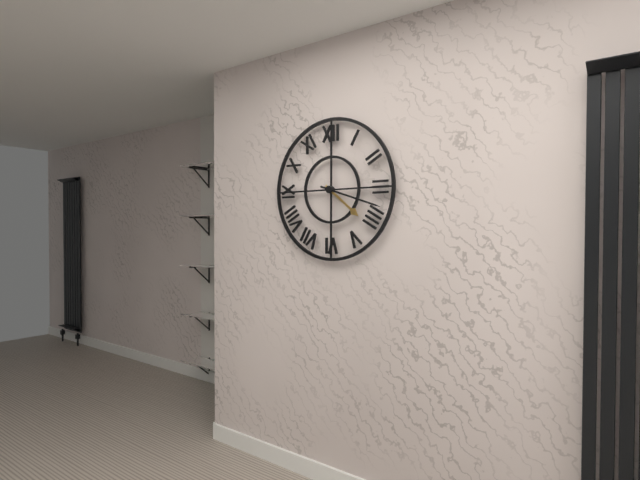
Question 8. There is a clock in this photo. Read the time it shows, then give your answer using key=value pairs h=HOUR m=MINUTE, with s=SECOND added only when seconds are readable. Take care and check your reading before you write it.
h=4 m=18
